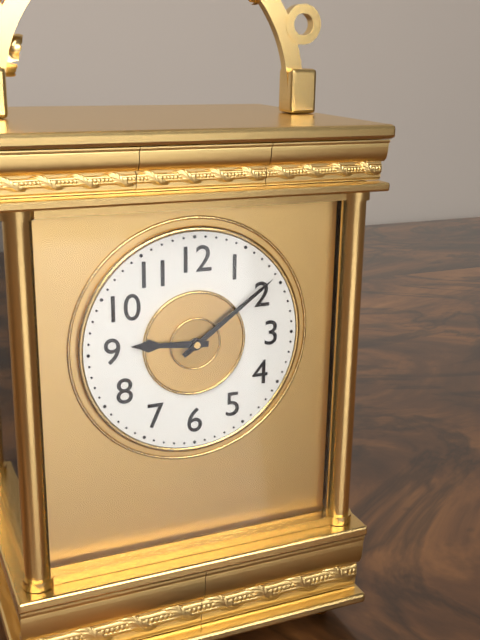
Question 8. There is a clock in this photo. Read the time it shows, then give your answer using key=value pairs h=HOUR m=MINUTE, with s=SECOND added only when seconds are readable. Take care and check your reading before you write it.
h=9 m=9
